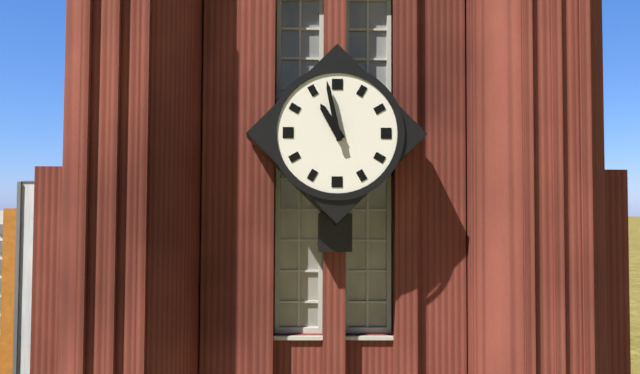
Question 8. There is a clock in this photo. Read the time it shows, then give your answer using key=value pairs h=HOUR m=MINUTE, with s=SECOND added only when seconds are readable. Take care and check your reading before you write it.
h=10 m=58
